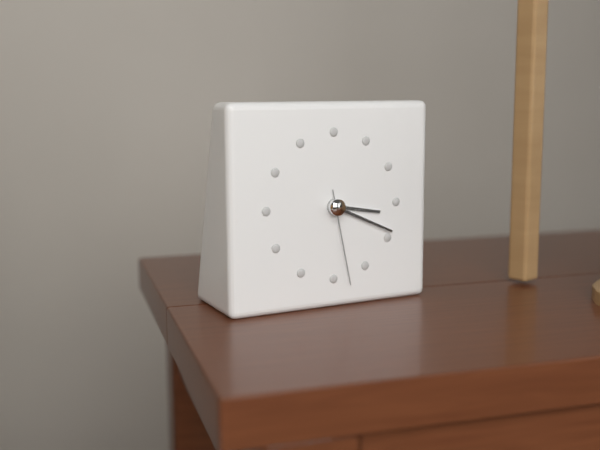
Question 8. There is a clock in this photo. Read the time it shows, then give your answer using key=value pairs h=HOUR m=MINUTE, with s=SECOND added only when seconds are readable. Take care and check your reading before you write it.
h=3 m=19 s=28
